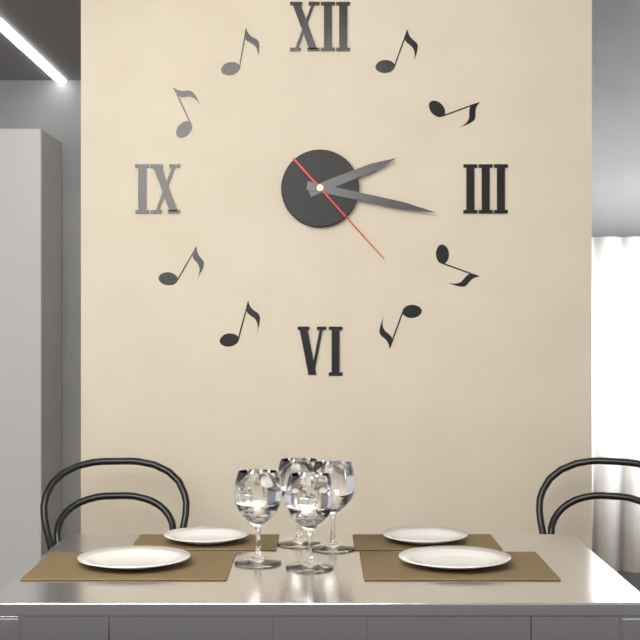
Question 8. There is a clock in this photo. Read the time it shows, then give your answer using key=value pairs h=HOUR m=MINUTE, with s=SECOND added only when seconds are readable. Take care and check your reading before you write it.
h=2 m=17 s=23
